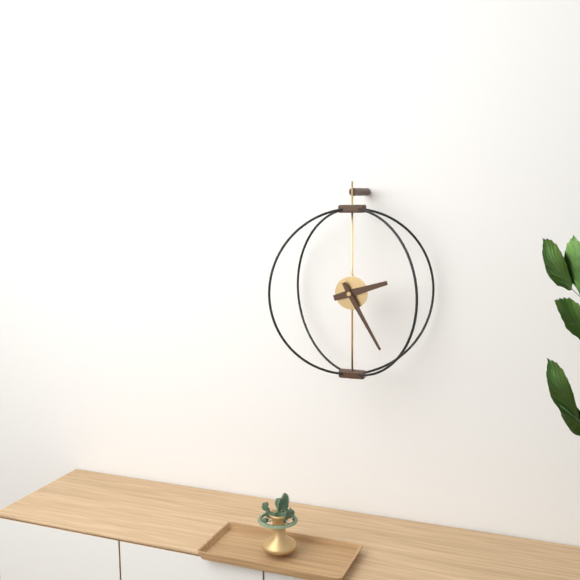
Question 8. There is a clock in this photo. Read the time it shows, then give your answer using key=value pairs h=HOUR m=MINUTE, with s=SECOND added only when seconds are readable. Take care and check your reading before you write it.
h=2 m=25
